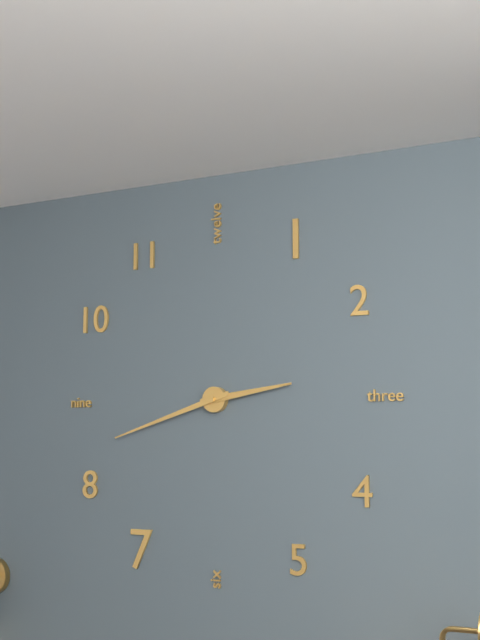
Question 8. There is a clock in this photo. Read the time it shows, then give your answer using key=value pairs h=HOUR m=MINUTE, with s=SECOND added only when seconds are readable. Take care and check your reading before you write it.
h=2 m=42
